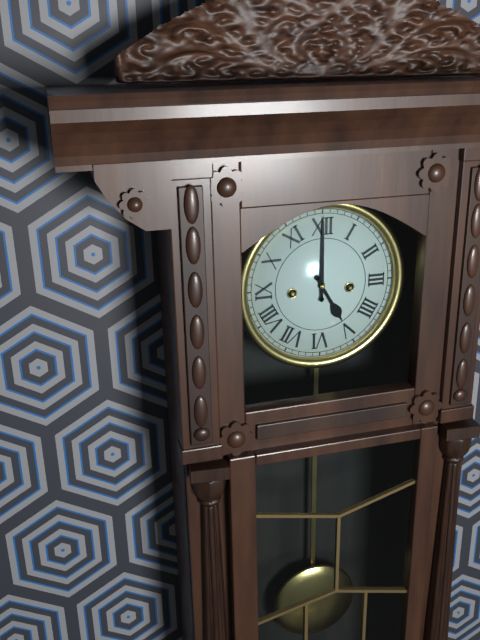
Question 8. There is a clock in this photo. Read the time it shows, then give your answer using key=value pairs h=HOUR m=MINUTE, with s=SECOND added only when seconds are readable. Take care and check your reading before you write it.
h=5 m=0
